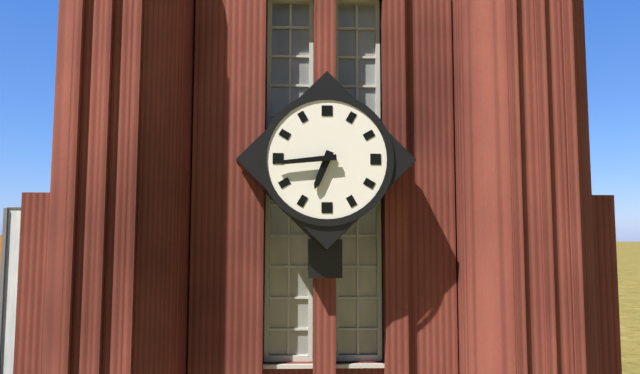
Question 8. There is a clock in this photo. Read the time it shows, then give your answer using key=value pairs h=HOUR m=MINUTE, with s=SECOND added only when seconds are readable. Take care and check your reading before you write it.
h=6 m=44
